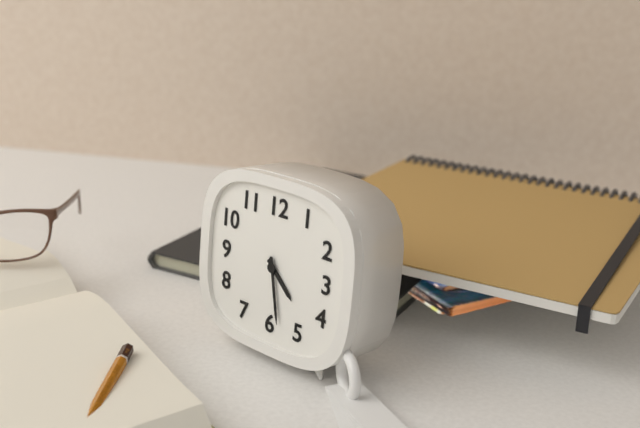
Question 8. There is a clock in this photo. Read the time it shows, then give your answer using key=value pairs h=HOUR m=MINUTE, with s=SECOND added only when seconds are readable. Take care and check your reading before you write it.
h=4 m=28
